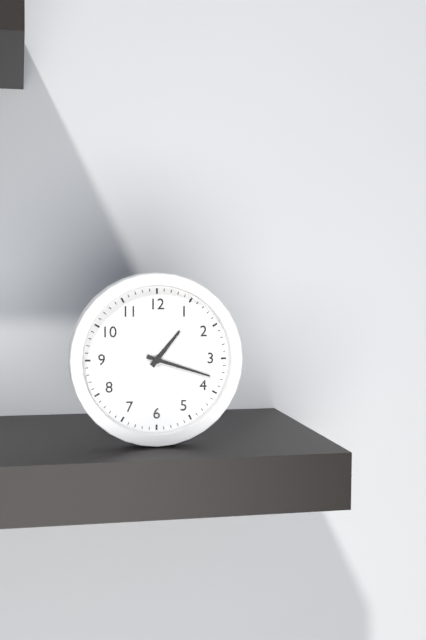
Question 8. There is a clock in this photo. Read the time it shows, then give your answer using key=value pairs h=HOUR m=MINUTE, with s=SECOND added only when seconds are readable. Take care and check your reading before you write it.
h=1 m=18
